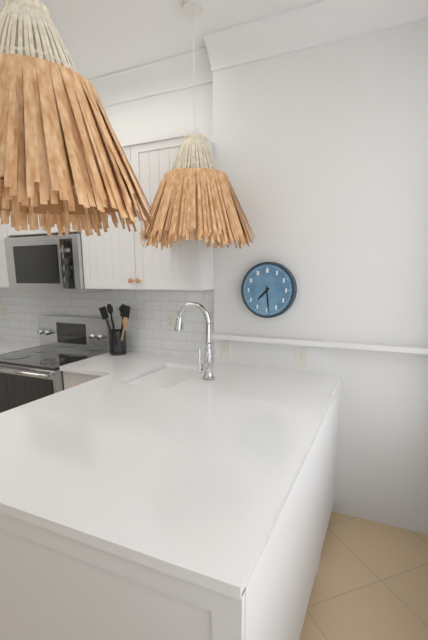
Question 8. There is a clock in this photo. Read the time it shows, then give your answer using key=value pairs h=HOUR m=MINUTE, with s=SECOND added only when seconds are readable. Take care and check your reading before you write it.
h=7 m=29
